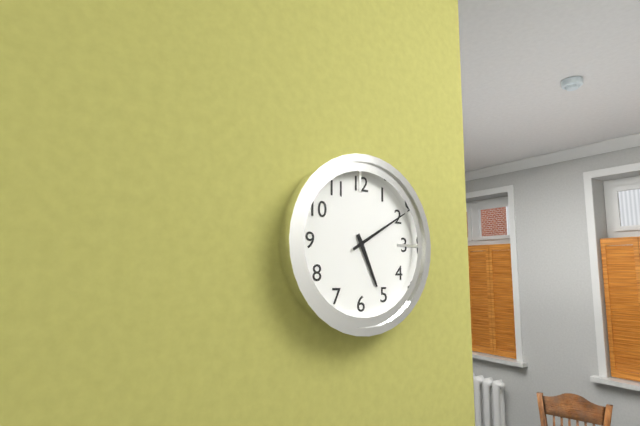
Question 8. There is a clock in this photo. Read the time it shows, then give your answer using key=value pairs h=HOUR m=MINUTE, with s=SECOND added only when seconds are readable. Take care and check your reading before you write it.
h=5 m=10
